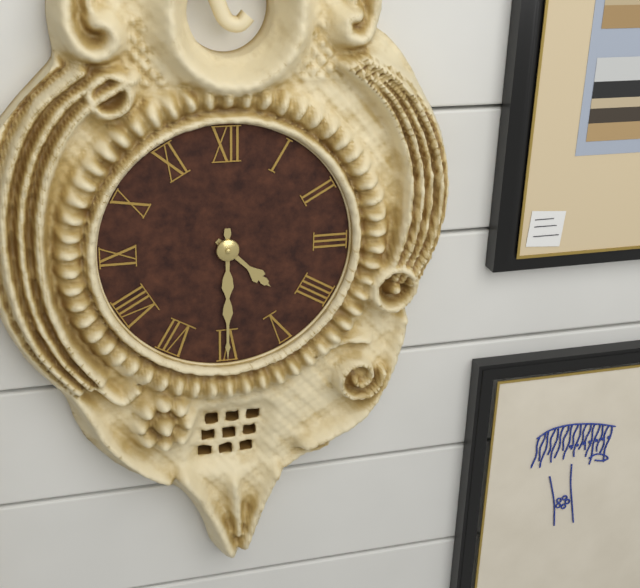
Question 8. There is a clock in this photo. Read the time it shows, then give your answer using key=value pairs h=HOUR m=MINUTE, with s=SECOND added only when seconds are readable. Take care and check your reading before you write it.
h=4 m=30
